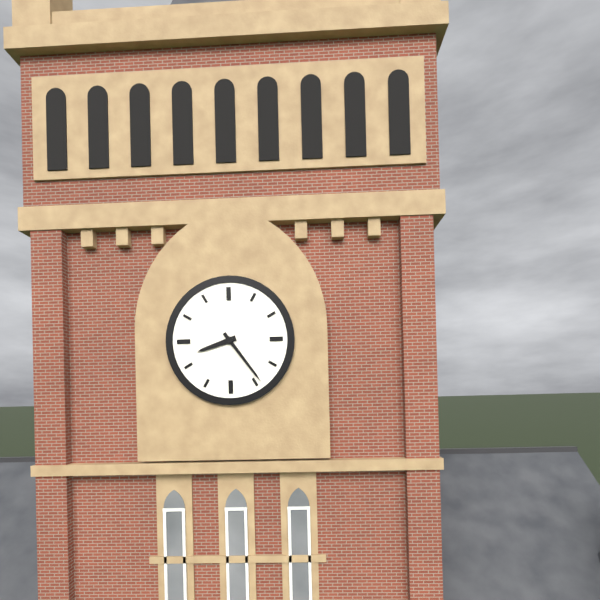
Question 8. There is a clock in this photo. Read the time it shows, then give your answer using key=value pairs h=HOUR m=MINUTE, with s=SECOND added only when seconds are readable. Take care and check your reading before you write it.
h=8 m=24
